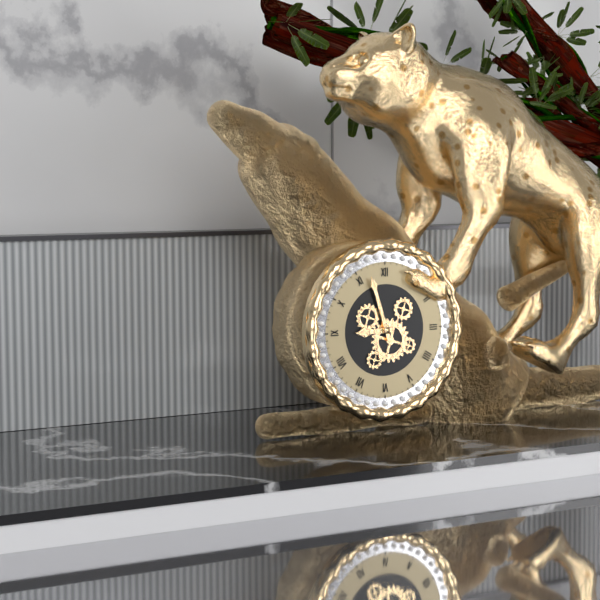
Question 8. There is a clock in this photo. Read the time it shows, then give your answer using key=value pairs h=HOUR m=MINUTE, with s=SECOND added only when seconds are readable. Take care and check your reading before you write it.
h=8 m=57
